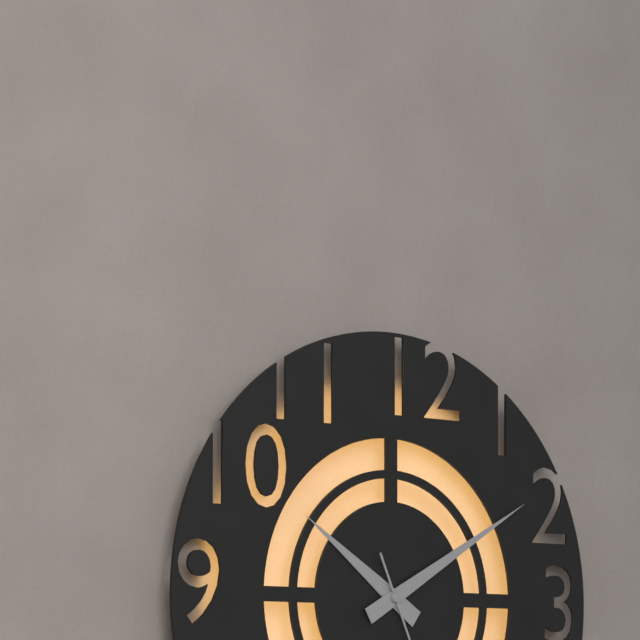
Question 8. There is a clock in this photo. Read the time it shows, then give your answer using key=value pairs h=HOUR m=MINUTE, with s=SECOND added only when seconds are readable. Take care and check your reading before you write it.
h=10 m=10
